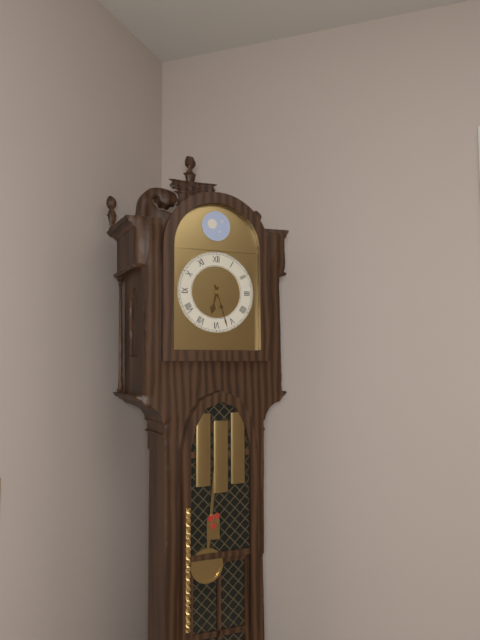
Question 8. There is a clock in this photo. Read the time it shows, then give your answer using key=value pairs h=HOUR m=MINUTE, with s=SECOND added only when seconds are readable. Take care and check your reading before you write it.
h=6 m=27
